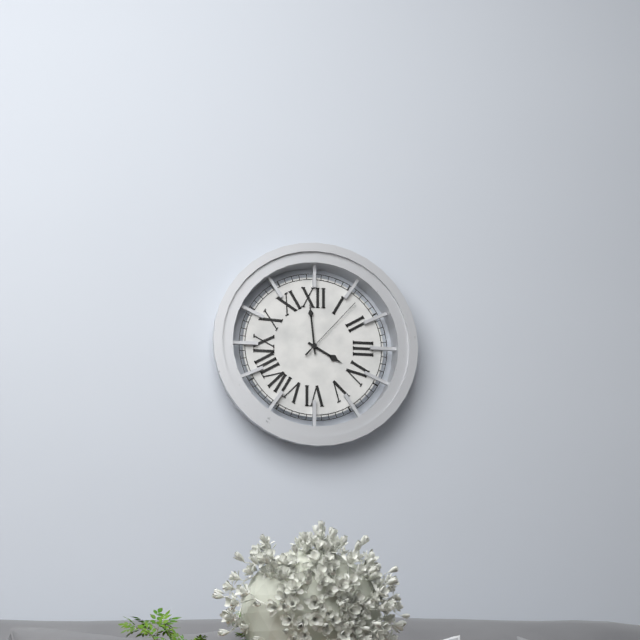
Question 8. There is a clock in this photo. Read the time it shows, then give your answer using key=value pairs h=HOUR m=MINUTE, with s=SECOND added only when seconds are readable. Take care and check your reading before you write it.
h=3 m=59 s=7
